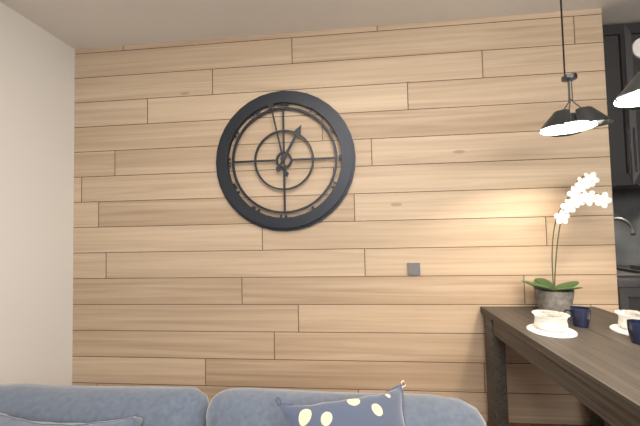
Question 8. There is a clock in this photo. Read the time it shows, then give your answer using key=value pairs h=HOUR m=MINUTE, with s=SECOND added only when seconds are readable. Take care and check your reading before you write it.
h=12 m=58
